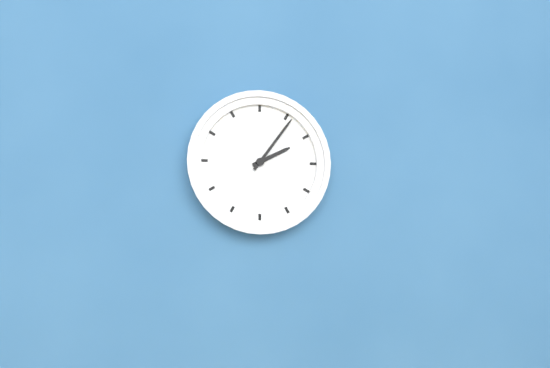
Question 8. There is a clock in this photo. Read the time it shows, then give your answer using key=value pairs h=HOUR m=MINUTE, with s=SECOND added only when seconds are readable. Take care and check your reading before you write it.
h=2 m=6
